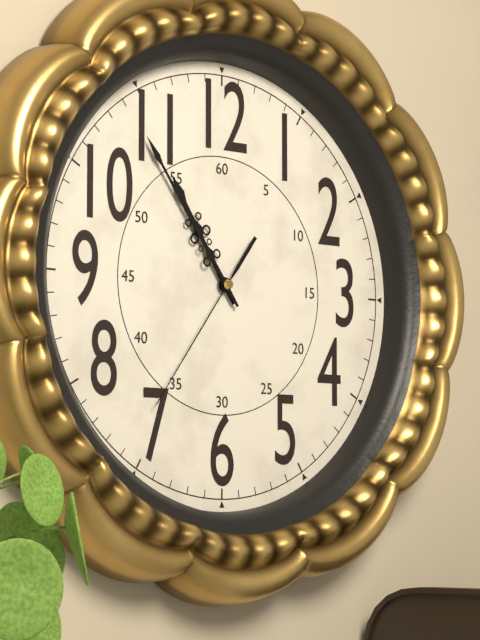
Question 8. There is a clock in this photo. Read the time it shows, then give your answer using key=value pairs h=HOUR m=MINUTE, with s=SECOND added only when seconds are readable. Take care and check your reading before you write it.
h=10 m=54 s=36
